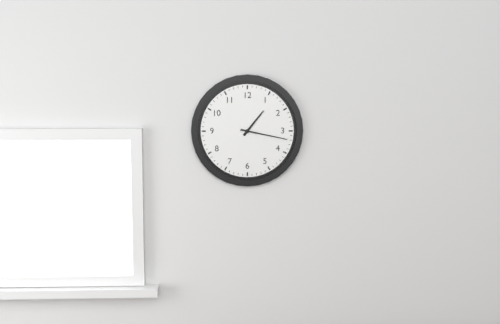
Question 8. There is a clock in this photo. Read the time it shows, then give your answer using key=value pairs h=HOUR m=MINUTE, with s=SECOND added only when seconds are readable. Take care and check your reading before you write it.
h=1 m=17
